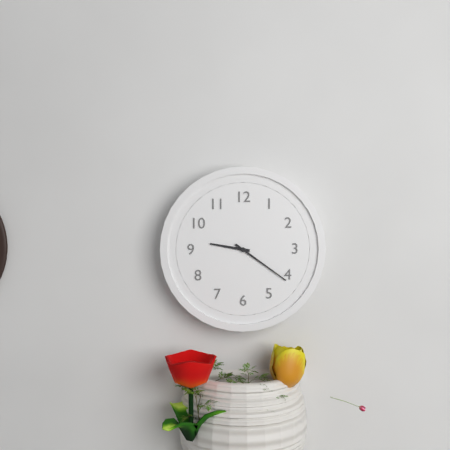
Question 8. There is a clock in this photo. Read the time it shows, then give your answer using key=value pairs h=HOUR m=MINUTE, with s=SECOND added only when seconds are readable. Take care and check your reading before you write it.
h=9 m=21
